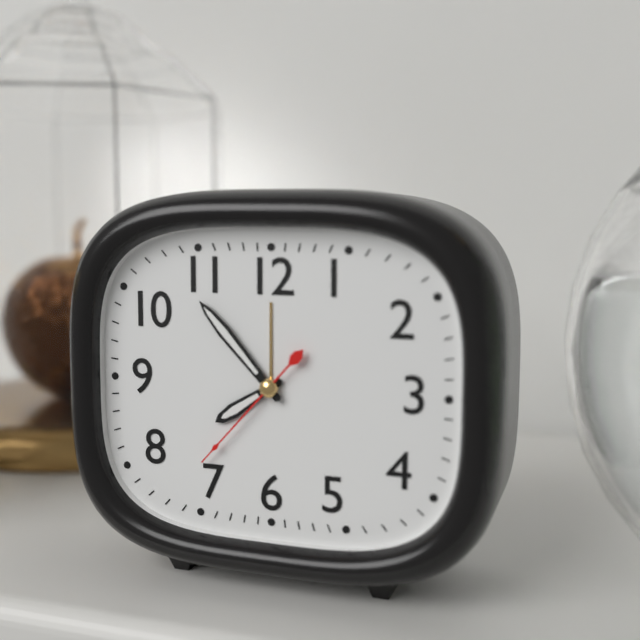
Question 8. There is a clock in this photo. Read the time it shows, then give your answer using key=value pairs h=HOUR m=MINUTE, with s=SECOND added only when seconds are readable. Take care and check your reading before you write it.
h=7 m=53 s=37
